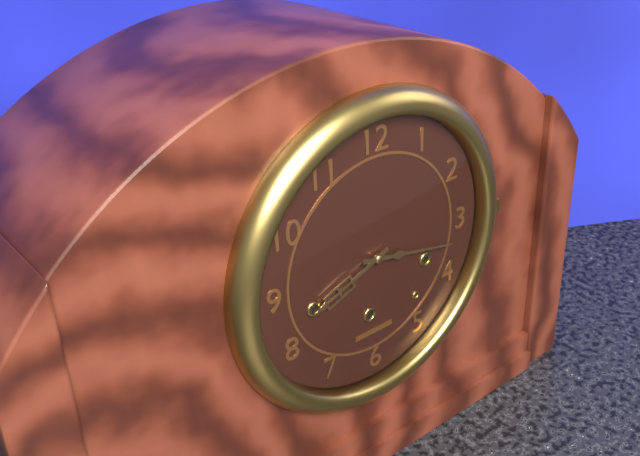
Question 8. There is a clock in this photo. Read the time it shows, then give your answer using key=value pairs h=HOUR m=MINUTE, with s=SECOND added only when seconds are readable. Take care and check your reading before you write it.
h=8 m=17
